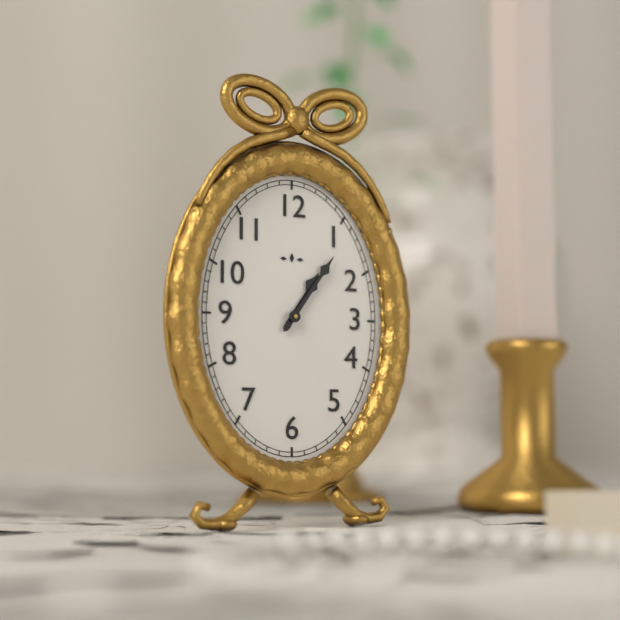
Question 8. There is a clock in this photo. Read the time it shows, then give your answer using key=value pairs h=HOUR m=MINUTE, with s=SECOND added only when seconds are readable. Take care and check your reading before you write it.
h=1 m=6
